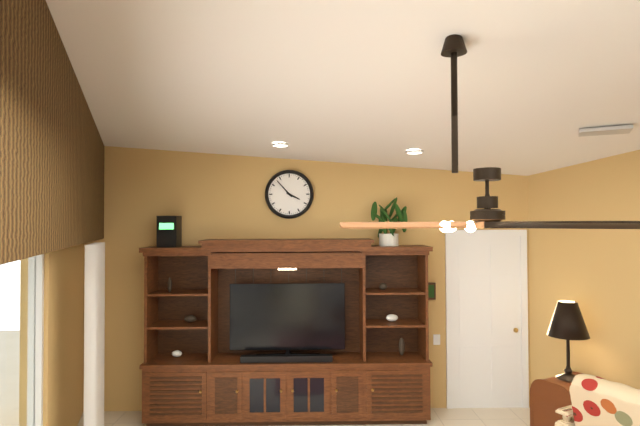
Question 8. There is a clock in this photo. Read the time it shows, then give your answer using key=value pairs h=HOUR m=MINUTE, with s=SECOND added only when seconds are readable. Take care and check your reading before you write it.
h=3 m=53
